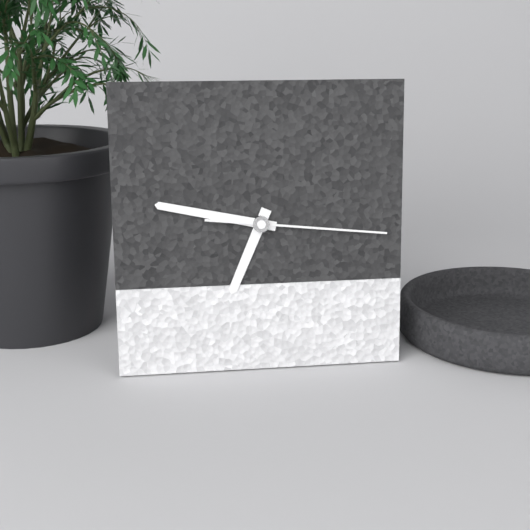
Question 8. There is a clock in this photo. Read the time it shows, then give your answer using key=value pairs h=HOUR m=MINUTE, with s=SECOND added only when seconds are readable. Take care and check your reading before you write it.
h=6 m=47 s=16
